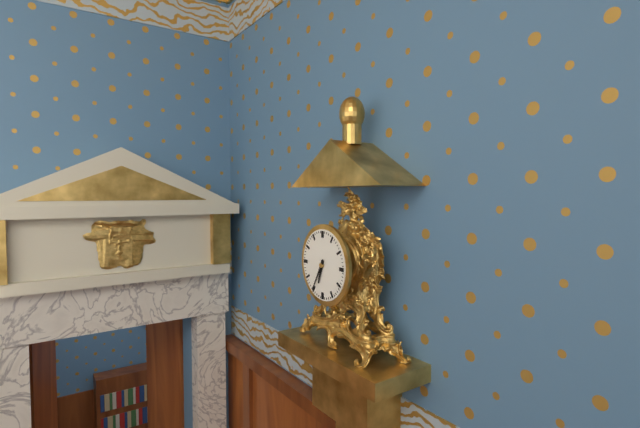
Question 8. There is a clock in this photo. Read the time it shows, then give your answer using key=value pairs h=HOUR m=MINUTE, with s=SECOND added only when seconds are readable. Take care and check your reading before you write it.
h=6 m=35
